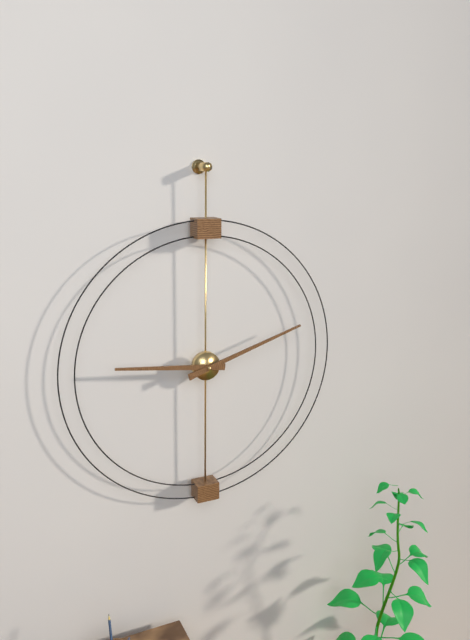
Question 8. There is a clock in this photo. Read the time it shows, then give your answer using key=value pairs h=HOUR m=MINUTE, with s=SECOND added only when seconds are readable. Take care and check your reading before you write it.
h=9 m=12
